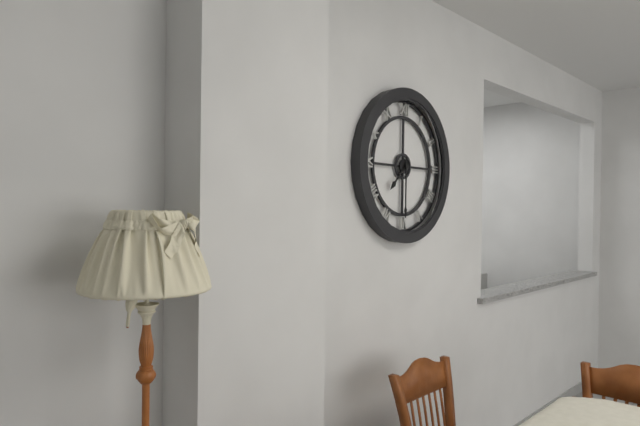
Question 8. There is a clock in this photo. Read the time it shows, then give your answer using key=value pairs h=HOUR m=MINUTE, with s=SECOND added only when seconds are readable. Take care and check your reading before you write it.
h=7 m=30
